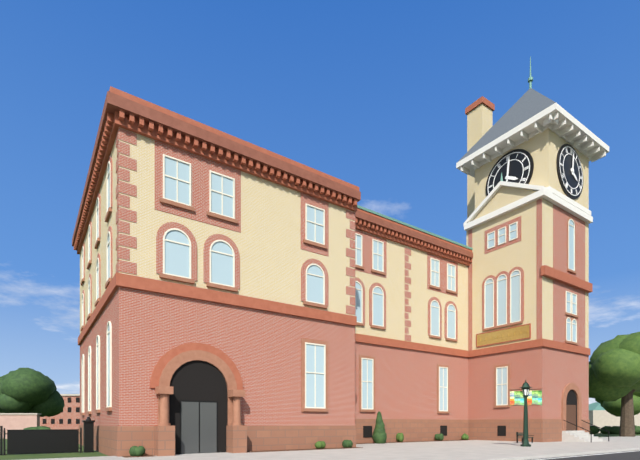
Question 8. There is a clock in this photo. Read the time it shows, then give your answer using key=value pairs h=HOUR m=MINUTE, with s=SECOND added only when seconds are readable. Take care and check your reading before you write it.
h=4 m=1
